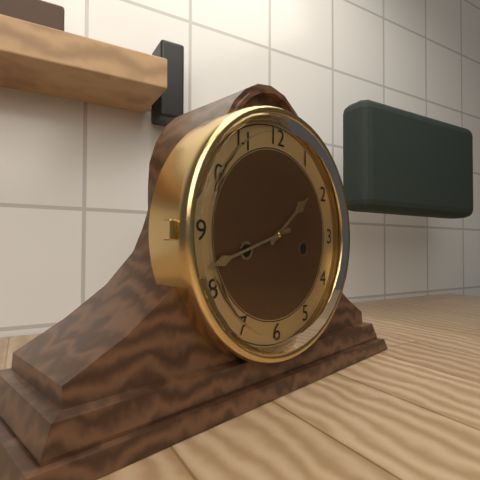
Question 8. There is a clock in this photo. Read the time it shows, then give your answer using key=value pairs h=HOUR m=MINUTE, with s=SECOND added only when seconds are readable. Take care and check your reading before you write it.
h=1 m=42
